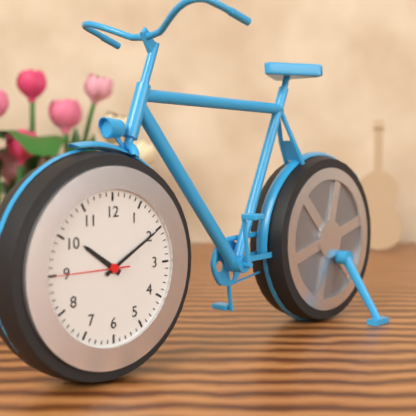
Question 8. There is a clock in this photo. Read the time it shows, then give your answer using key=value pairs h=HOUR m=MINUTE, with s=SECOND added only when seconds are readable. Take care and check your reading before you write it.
h=10 m=10 s=45
